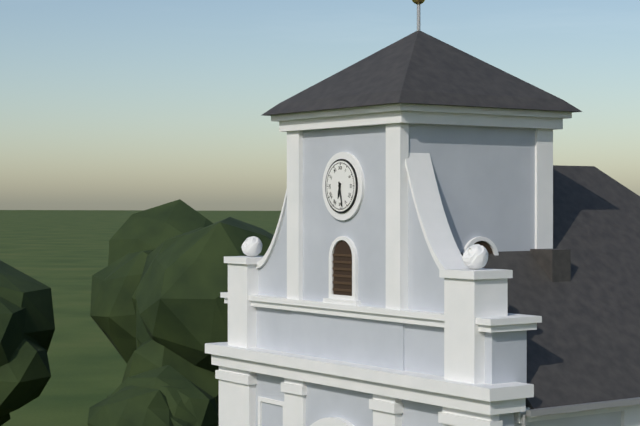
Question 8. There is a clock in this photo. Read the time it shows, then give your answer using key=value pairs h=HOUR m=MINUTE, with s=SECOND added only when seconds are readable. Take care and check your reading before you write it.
h=6 m=28
